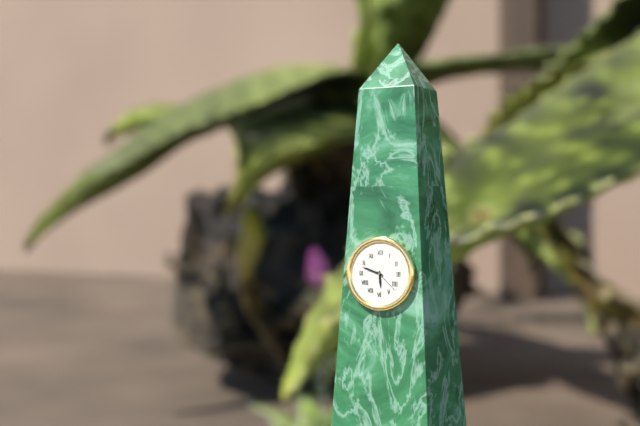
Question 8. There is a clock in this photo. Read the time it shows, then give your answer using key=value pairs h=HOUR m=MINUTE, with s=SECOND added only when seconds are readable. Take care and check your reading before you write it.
h=5 m=48
